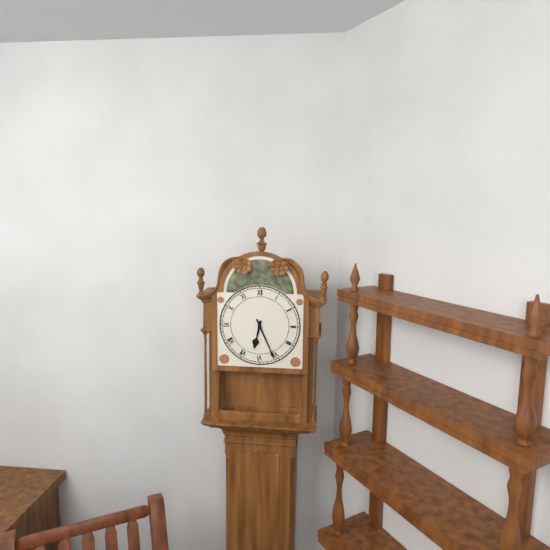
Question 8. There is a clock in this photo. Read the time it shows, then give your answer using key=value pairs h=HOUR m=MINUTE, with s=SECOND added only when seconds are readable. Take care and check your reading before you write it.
h=6 m=26
